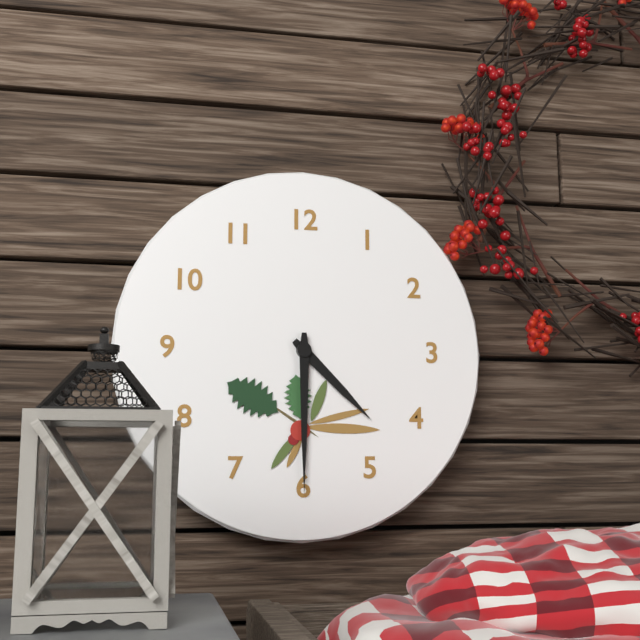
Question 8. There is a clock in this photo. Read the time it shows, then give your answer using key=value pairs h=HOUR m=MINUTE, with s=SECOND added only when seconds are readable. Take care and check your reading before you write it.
h=4 m=30
